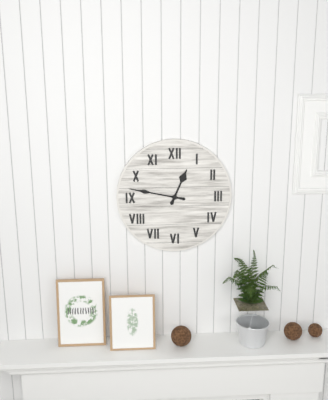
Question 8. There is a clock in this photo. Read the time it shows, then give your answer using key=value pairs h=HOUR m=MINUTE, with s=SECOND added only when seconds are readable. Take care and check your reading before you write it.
h=12 m=47
